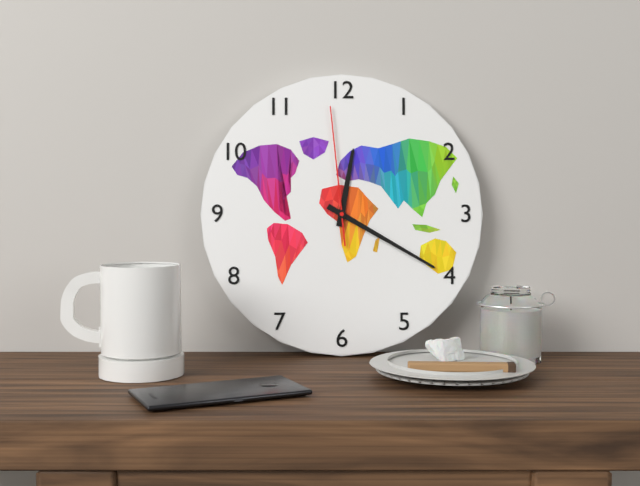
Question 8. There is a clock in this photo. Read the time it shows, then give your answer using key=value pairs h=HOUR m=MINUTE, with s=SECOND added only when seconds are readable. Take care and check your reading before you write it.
h=12 m=20 s=59
